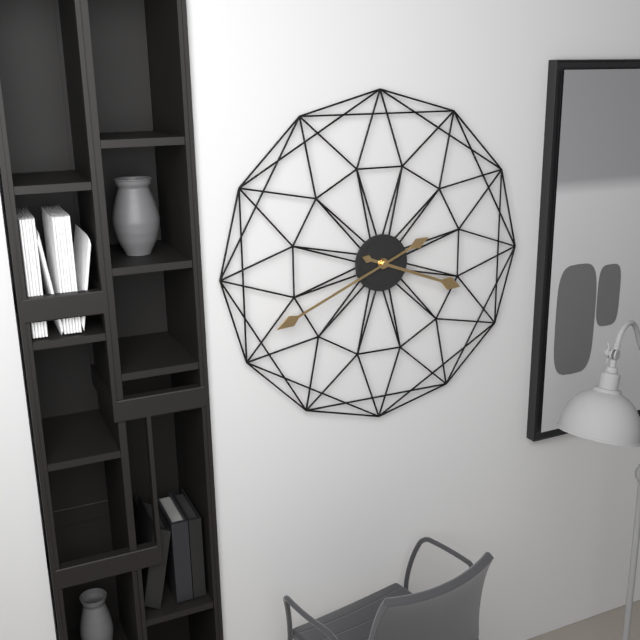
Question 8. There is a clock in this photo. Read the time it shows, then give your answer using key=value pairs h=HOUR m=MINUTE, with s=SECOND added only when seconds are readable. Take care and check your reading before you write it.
h=3 m=41
